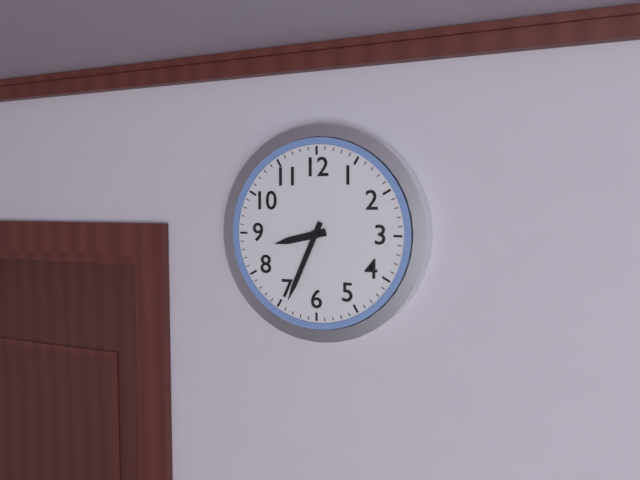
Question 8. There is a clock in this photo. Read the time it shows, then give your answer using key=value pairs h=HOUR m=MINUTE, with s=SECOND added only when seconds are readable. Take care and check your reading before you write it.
h=8 m=34
